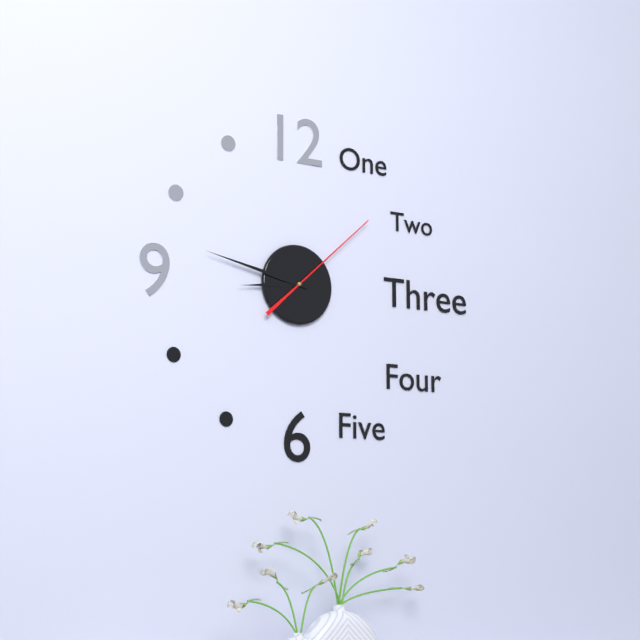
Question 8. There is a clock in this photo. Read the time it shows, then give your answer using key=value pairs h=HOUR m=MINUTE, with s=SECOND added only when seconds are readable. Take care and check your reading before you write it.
h=8 m=47 s=8
